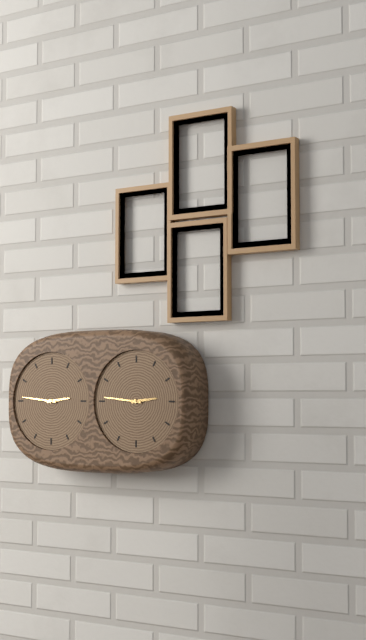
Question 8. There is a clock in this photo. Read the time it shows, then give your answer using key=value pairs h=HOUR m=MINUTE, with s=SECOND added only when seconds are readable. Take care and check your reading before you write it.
h=2 m=46
